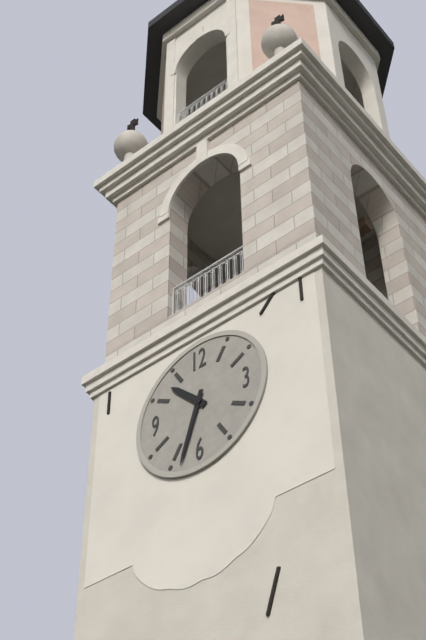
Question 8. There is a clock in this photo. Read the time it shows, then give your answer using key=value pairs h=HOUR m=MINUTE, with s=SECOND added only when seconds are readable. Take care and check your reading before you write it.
h=10 m=33
